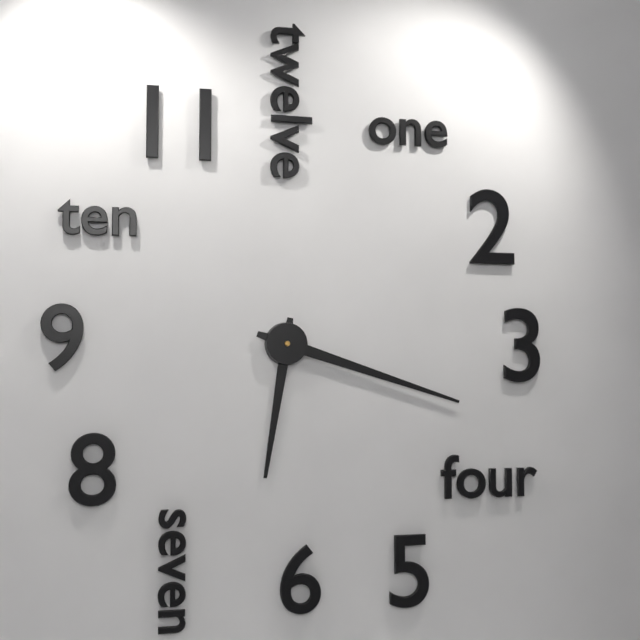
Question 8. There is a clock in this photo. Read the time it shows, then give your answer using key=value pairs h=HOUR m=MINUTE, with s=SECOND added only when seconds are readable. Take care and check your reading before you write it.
h=6 m=18
